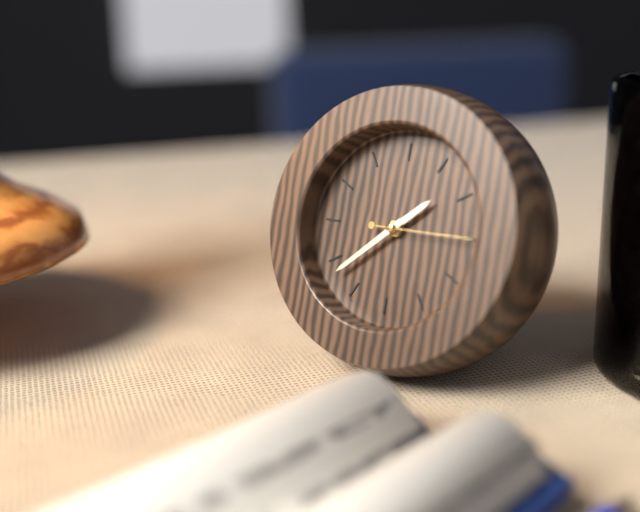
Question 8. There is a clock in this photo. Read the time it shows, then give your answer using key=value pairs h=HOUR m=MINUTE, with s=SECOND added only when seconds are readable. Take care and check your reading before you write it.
h=1 m=38 s=15
